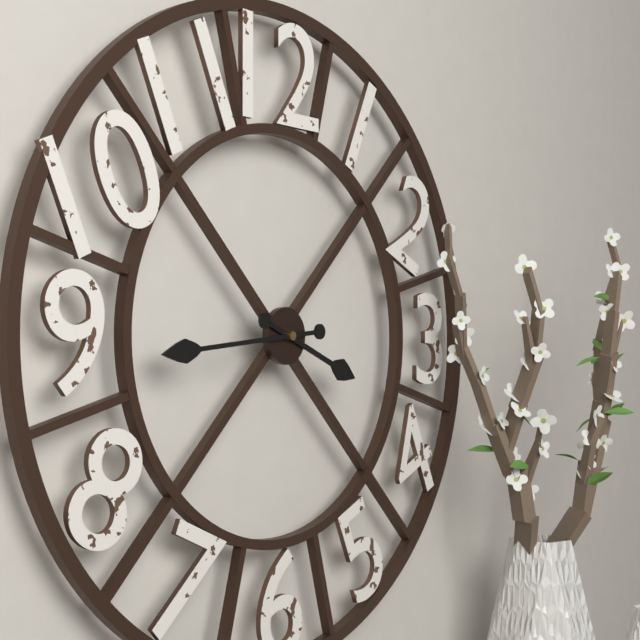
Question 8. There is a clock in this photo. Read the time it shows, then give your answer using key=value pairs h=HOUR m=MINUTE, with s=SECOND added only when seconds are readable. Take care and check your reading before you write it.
h=3 m=44
